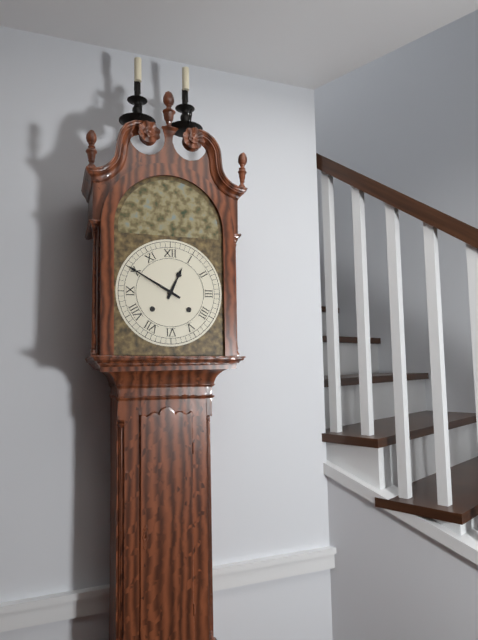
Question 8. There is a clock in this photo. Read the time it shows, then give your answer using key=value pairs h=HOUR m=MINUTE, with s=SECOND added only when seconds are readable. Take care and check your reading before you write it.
h=12 m=50
